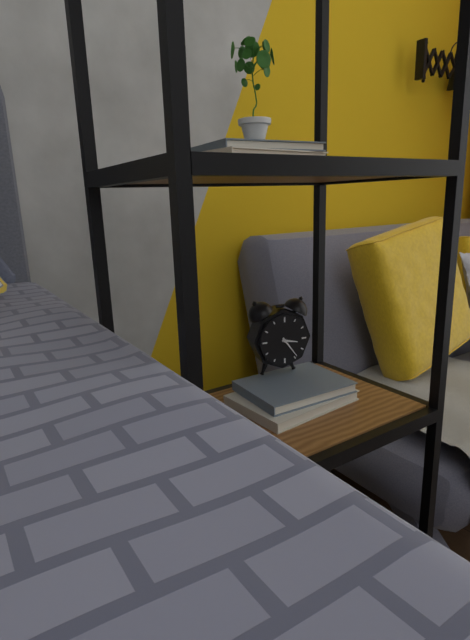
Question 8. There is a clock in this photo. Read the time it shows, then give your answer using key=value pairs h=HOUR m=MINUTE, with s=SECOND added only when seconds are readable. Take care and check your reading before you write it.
h=3 m=24
